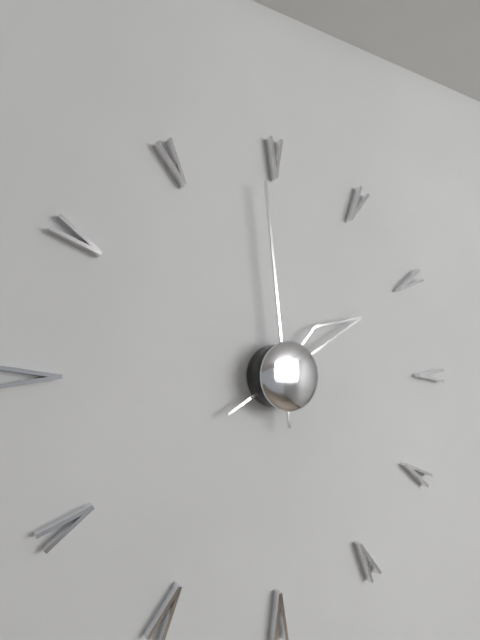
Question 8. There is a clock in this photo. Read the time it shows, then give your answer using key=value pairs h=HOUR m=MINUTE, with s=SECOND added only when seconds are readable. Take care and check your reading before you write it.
h=1 m=59
